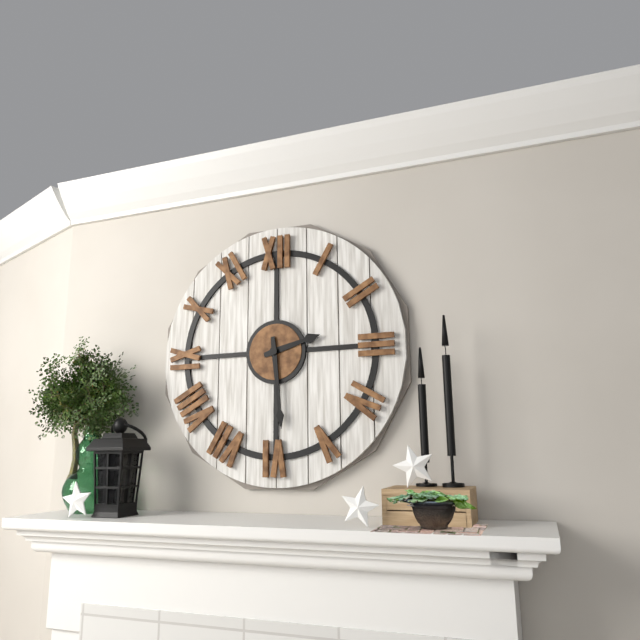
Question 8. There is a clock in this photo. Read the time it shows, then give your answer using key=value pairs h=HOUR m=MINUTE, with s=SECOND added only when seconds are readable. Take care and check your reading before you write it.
h=2 m=29
